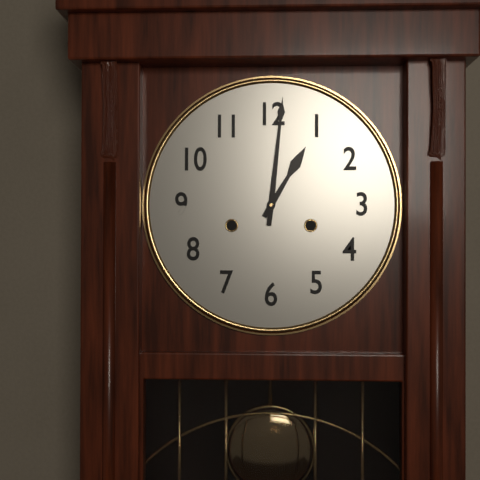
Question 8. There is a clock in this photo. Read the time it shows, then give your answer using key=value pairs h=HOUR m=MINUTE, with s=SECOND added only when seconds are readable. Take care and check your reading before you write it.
h=1 m=1
